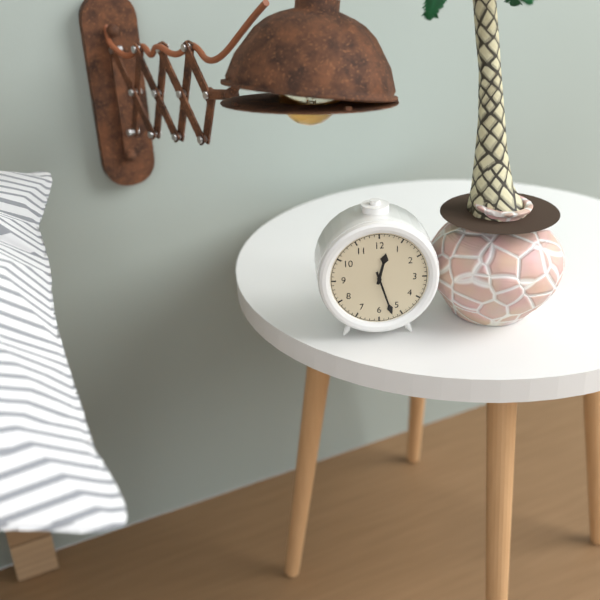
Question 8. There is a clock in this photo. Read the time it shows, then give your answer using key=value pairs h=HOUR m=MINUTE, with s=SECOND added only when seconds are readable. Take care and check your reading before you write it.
h=12 m=27
